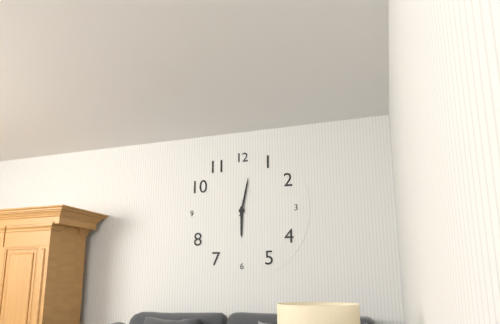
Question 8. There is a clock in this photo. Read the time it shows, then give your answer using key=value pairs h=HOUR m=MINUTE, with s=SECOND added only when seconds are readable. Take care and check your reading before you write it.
h=6 m=2
